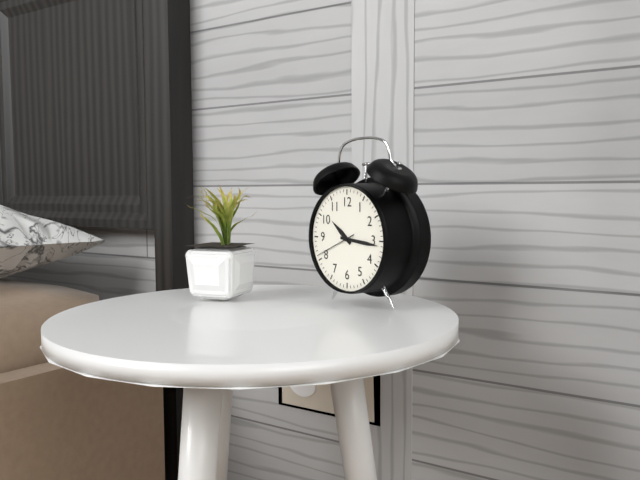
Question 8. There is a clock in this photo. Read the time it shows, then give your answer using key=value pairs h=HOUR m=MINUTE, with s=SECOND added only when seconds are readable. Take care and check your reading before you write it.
h=10 m=16 s=41
